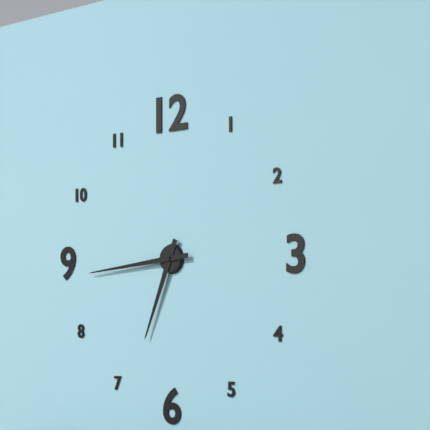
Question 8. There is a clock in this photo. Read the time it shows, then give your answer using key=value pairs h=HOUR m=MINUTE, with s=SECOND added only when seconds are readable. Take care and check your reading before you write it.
h=6 m=44
